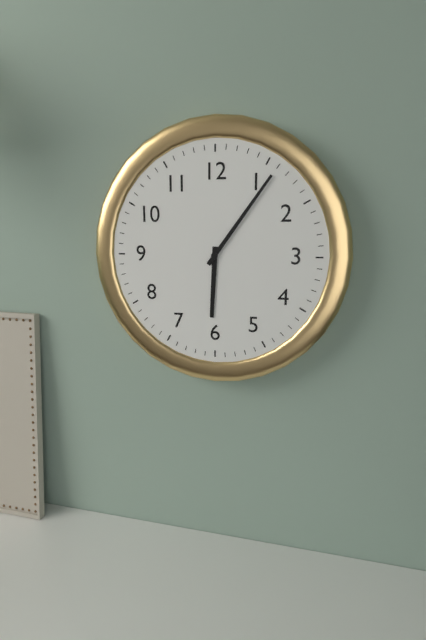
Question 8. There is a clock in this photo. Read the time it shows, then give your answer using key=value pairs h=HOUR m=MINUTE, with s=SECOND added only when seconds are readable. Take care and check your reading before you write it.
h=6 m=6
